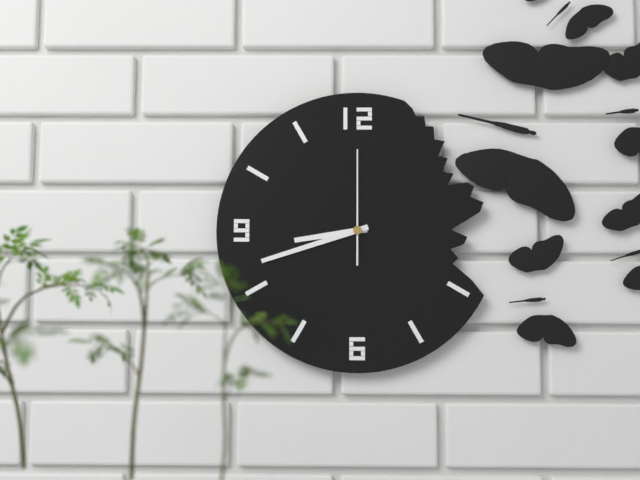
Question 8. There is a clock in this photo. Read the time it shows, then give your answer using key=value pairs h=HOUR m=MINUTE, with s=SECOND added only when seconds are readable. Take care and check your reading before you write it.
h=8 m=42 s=0
